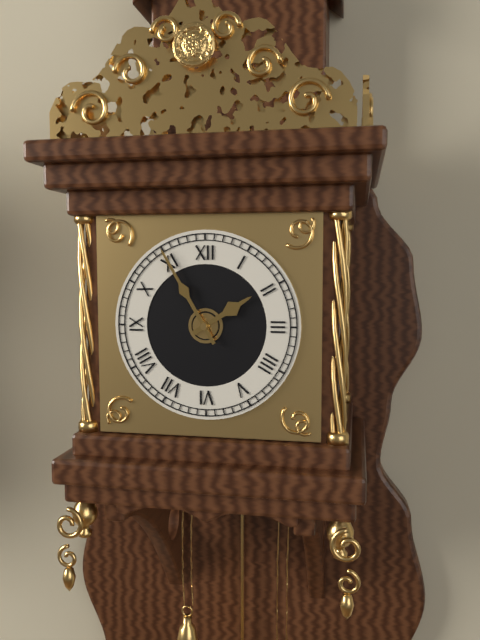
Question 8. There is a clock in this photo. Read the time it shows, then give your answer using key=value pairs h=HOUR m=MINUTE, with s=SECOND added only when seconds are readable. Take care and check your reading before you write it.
h=1 m=55
